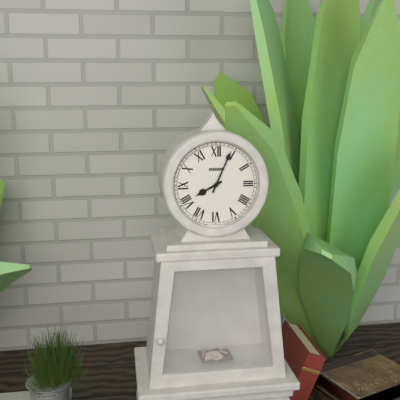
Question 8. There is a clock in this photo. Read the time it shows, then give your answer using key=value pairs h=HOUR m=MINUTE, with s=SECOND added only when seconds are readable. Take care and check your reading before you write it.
h=8 m=4
